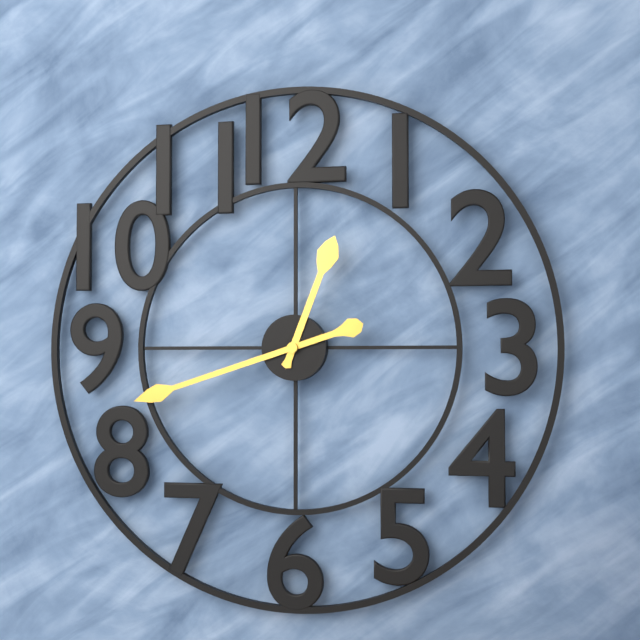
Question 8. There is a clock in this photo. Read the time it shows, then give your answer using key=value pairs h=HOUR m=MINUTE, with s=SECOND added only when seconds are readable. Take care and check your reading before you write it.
h=12 m=42
